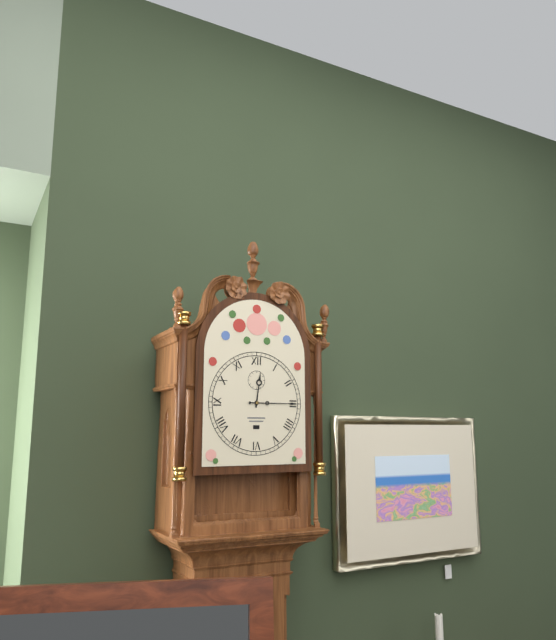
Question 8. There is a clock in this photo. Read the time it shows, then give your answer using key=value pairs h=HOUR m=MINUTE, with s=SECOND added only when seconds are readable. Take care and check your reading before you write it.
h=12 m=15
